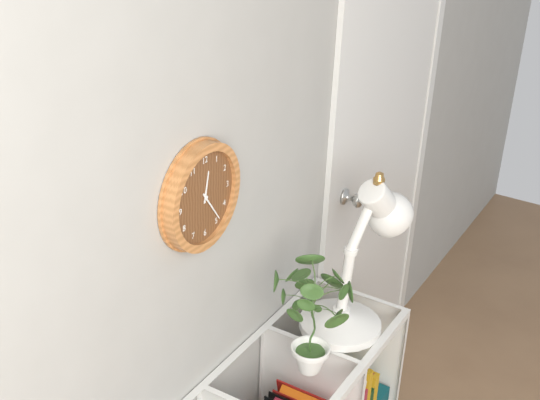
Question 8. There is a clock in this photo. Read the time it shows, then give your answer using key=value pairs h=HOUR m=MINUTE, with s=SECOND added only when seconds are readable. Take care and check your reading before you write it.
h=12 m=24
